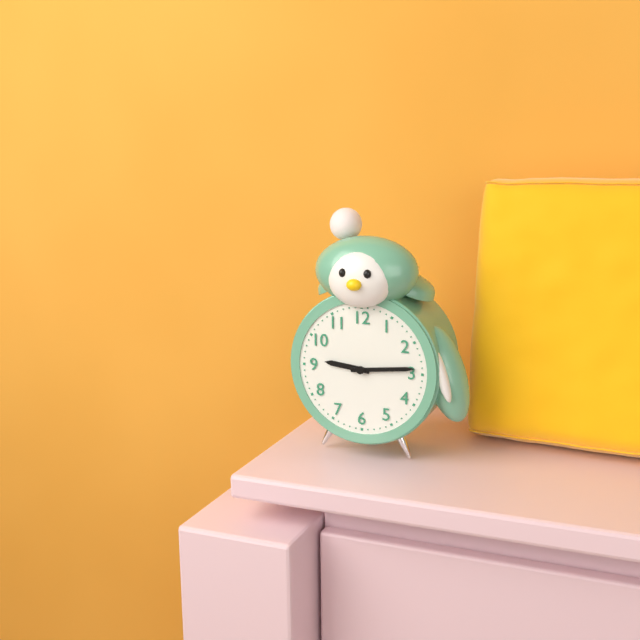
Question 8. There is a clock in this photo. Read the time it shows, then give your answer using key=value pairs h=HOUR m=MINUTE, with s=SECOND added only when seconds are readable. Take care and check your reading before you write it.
h=9 m=14
